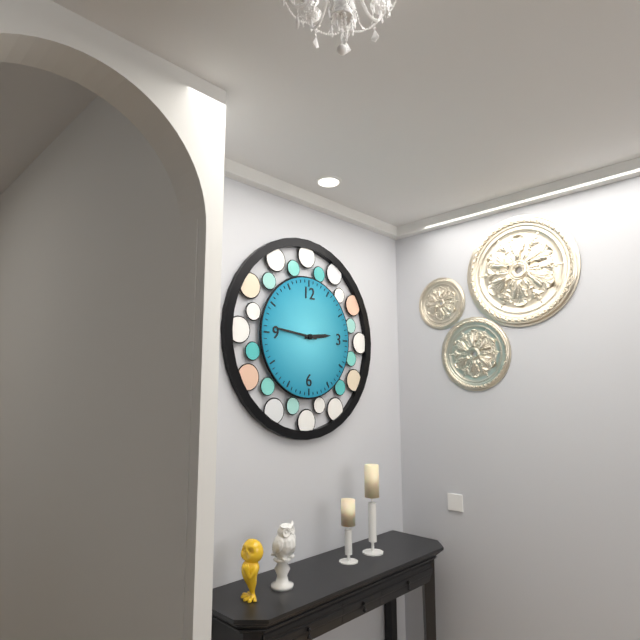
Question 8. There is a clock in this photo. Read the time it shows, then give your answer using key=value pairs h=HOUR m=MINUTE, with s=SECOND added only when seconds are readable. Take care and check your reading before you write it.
h=2 m=46
